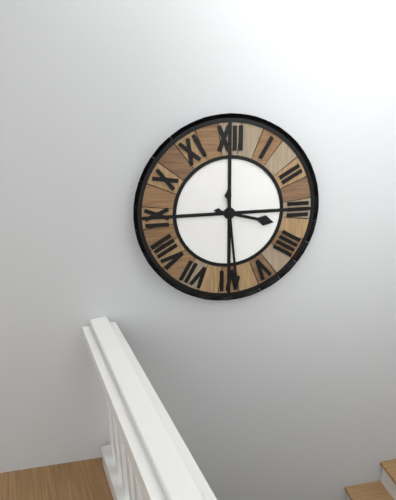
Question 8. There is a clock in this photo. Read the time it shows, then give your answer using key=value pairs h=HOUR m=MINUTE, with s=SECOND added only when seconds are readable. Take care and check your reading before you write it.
h=3 m=29
